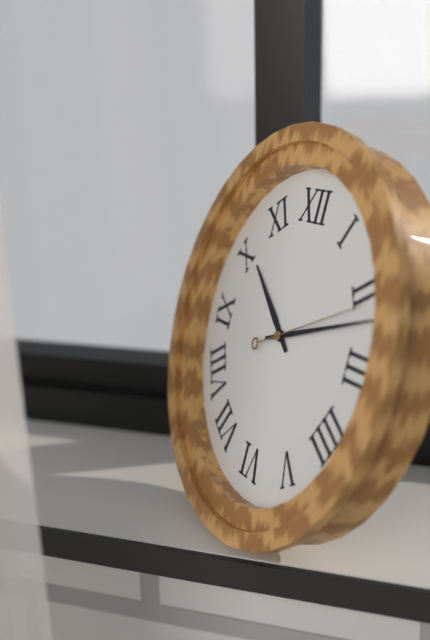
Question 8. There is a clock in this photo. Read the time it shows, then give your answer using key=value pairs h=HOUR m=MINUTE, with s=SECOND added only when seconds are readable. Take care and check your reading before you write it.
h=10 m=12 s=11
